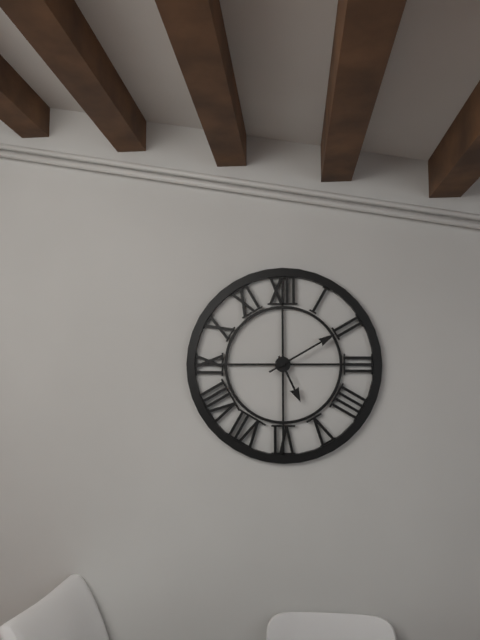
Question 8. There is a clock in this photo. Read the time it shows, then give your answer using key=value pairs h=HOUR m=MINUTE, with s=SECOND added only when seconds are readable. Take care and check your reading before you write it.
h=5 m=10
